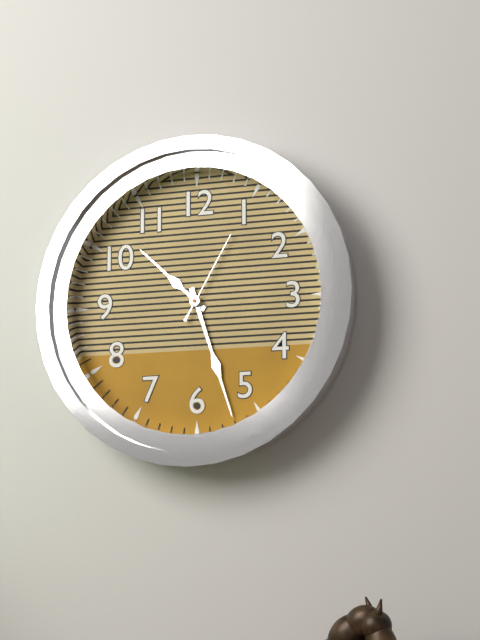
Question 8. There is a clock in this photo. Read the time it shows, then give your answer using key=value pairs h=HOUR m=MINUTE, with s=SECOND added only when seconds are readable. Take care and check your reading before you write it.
h=10 m=27 s=5
